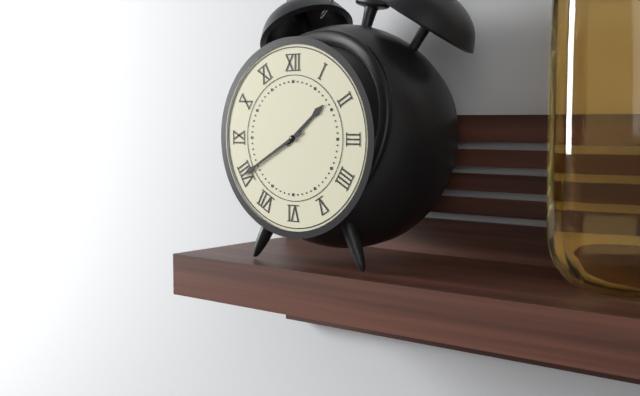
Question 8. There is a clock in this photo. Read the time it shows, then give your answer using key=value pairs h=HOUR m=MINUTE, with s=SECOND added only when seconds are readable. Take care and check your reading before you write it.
h=1 m=40
